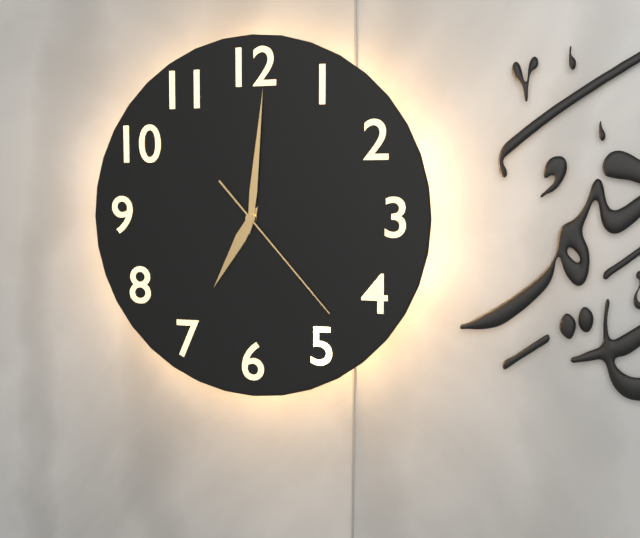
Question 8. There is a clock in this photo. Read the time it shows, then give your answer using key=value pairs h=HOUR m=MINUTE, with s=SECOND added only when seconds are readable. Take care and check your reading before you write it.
h=7 m=1 s=23
